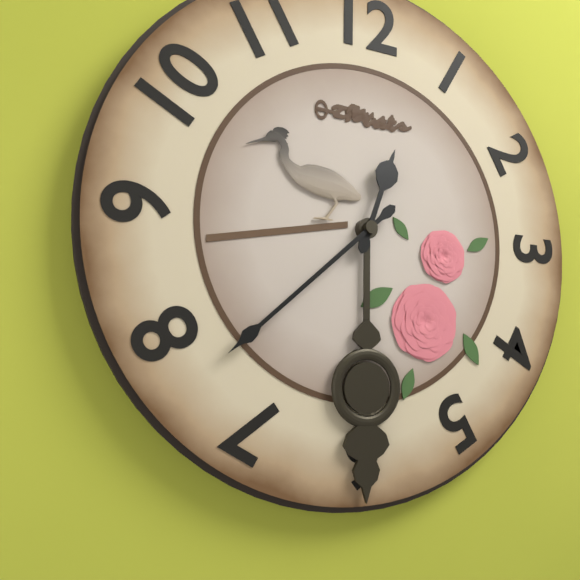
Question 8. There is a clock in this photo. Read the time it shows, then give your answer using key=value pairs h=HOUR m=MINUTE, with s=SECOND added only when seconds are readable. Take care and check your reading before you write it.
h=12 m=38
